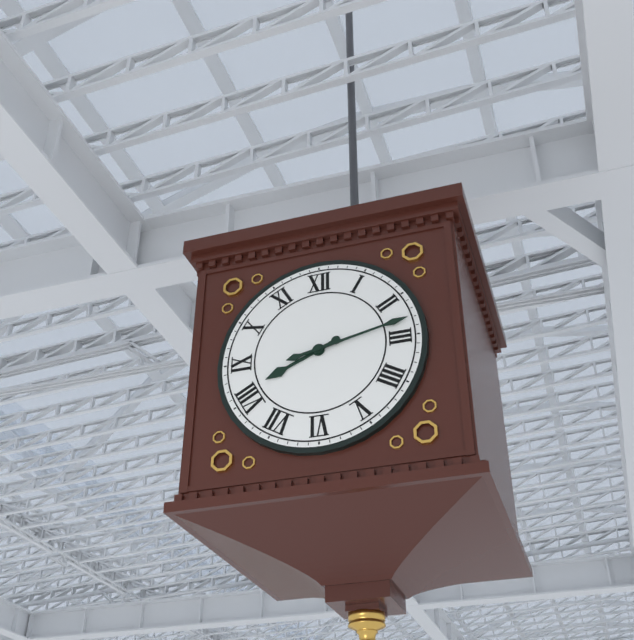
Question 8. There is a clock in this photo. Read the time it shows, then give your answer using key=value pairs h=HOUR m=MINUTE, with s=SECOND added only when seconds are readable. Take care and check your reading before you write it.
h=8 m=13
